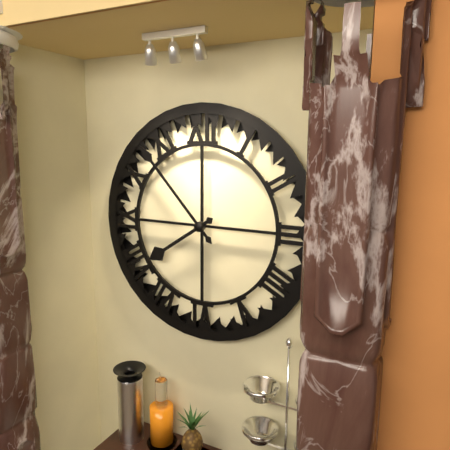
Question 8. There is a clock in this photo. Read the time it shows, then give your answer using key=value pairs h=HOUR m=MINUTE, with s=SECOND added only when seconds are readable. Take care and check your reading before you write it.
h=7 m=53
